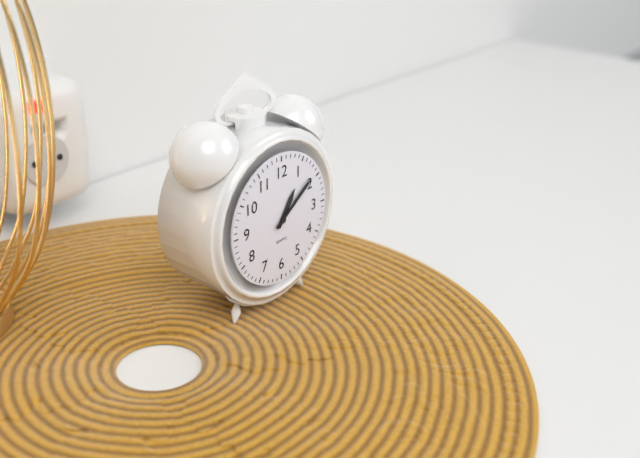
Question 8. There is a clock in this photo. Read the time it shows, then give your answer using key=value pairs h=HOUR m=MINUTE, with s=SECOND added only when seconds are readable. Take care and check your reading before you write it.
h=1 m=9
